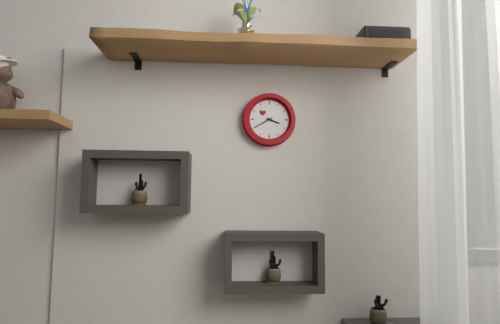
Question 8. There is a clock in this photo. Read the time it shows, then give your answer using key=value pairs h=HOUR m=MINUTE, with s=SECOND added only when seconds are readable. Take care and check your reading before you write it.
h=3 m=40
